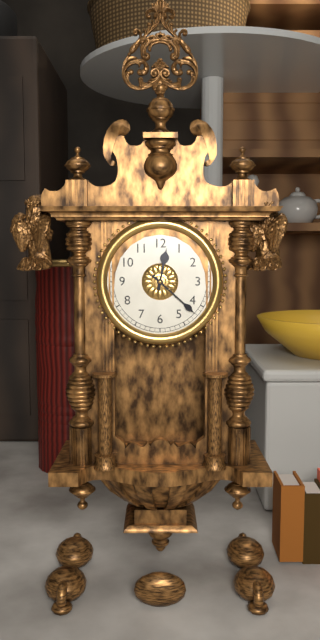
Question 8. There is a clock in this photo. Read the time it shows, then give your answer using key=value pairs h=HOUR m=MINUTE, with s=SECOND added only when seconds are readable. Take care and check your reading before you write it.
h=12 m=22
